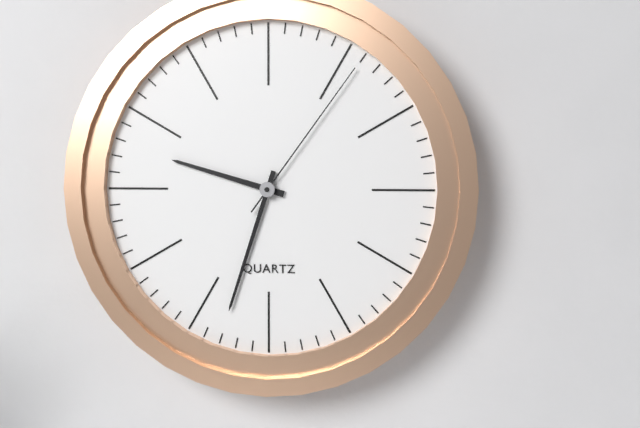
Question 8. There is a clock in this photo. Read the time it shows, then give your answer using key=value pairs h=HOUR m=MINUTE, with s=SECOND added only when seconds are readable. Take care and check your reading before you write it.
h=9 m=33 s=6
